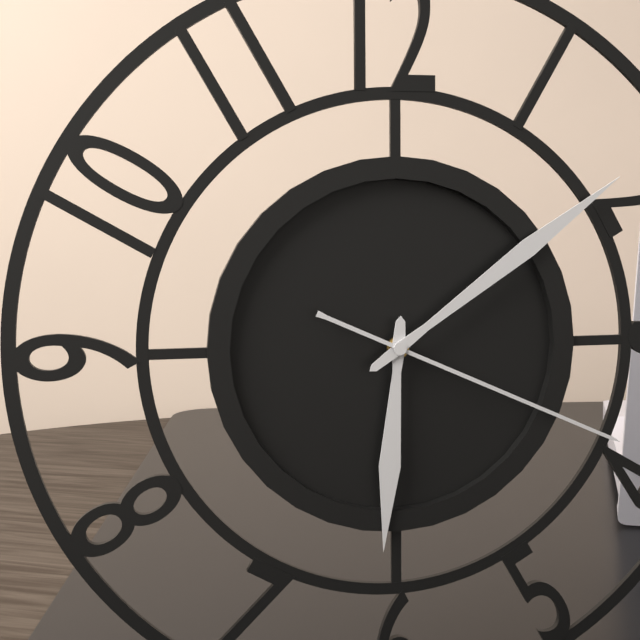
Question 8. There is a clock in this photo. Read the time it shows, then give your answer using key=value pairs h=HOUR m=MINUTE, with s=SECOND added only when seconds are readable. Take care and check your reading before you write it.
h=6 m=9 s=19
